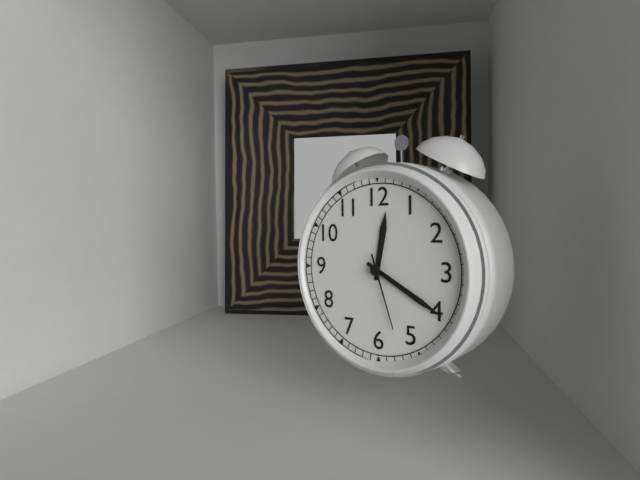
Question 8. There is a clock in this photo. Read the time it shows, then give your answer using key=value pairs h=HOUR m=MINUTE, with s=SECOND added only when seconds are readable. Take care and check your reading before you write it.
h=12 m=20 s=27
